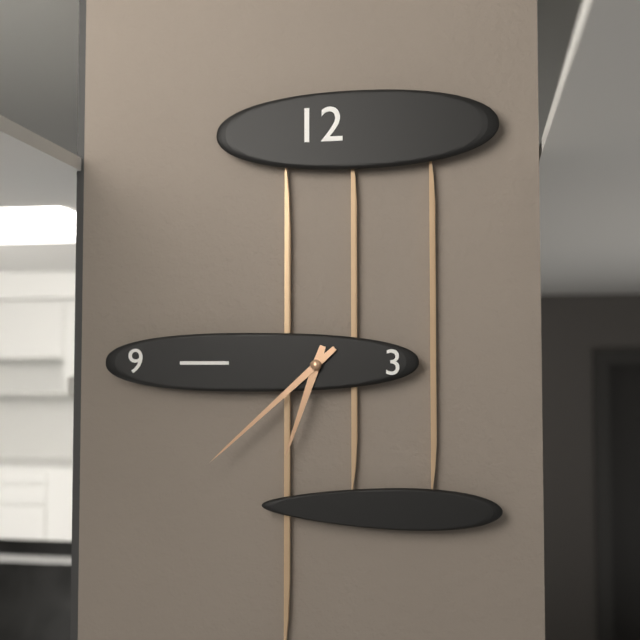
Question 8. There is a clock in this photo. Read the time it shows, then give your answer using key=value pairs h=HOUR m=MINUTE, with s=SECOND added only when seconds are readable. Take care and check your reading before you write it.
h=6 m=38
